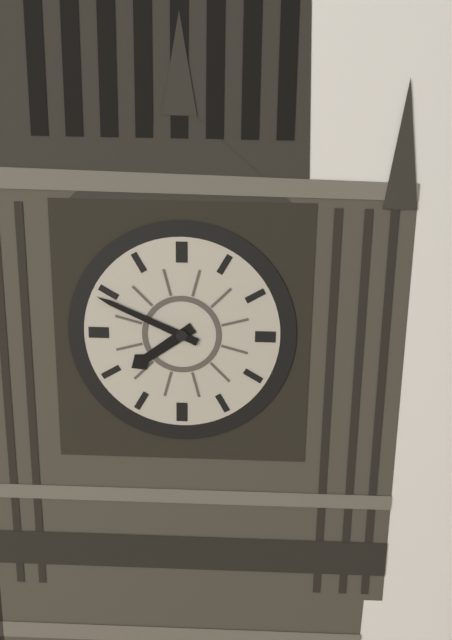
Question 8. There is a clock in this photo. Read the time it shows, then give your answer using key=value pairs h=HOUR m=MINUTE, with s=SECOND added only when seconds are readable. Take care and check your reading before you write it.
h=7 m=49
